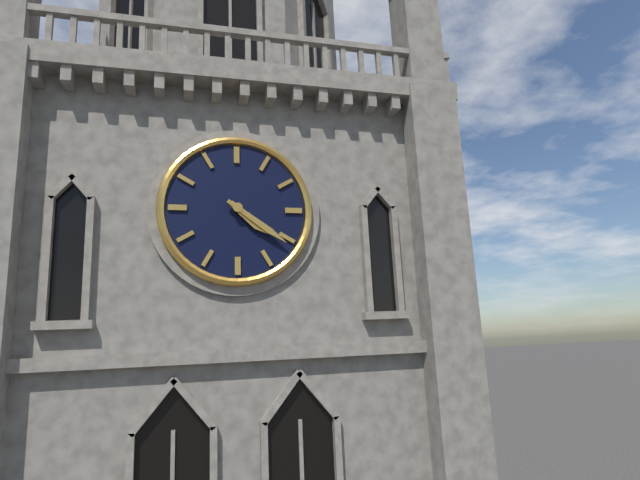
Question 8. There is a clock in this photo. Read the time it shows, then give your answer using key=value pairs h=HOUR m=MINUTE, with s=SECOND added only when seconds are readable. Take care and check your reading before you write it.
h=4 m=21
